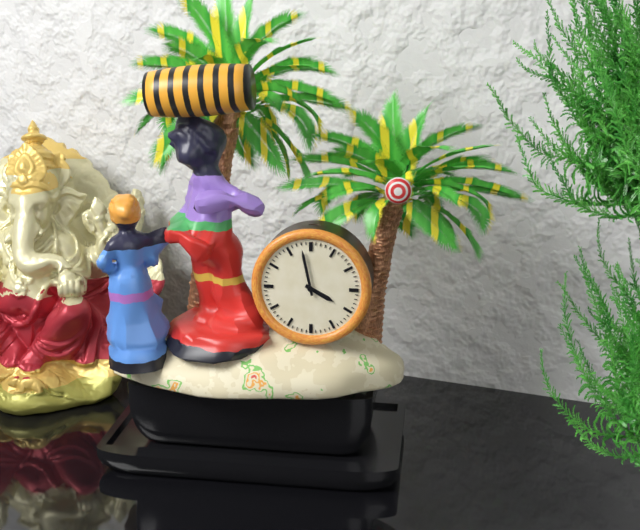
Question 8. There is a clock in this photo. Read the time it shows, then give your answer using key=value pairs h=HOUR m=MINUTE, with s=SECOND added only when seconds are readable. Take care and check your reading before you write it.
h=3 m=58
